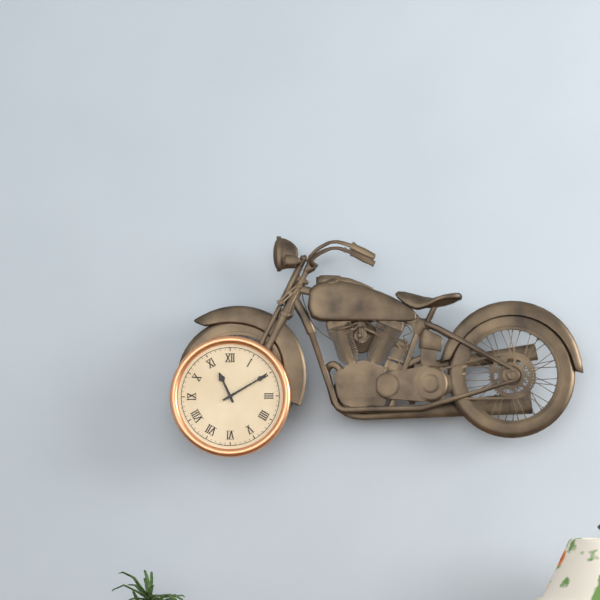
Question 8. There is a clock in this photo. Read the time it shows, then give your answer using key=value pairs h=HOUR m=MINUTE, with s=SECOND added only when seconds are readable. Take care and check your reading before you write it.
h=11 m=10
